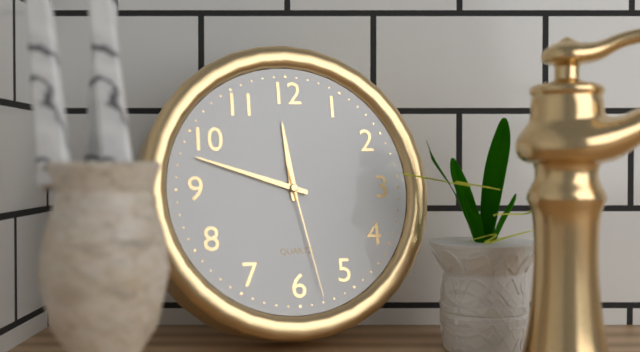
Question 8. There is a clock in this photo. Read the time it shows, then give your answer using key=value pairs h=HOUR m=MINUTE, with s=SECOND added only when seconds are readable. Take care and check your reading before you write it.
h=11 m=48 s=28
